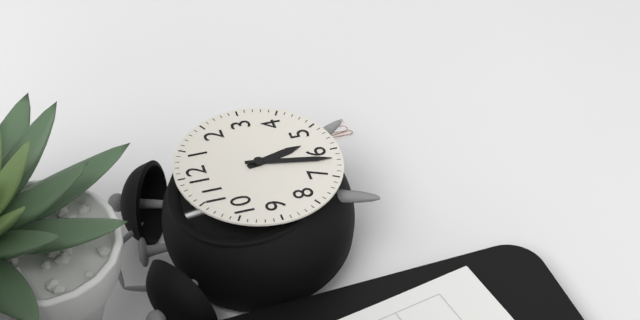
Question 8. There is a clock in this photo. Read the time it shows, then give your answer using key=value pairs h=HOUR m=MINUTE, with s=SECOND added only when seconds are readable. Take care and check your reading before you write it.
h=5 m=32
